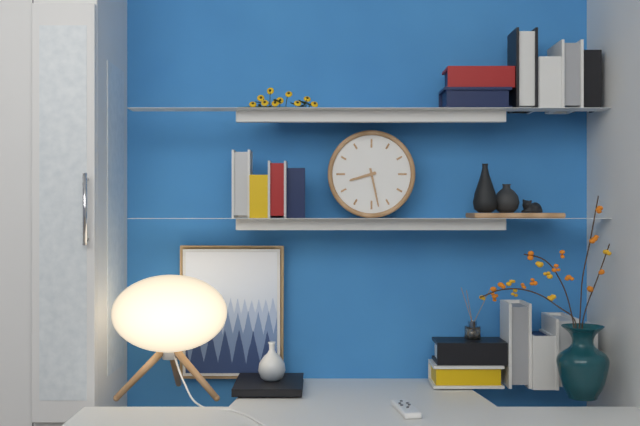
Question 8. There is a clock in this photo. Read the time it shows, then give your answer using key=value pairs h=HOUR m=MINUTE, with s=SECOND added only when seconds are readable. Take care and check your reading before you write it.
h=8 m=28
